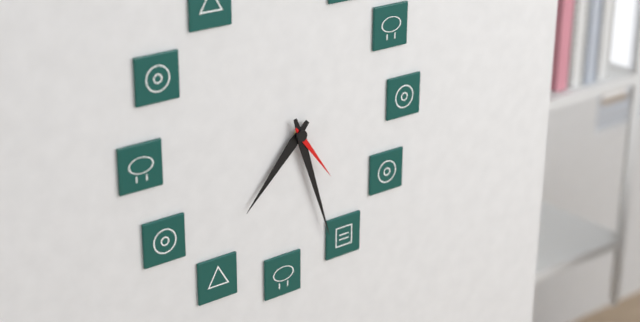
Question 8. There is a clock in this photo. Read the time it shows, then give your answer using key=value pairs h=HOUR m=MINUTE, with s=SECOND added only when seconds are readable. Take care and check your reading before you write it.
h=7 m=27 s=24
